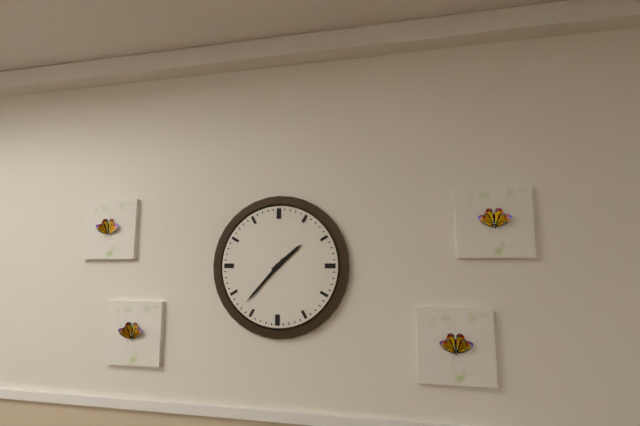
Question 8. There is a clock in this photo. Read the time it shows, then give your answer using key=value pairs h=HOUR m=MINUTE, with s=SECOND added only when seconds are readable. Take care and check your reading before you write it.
h=1 m=37
